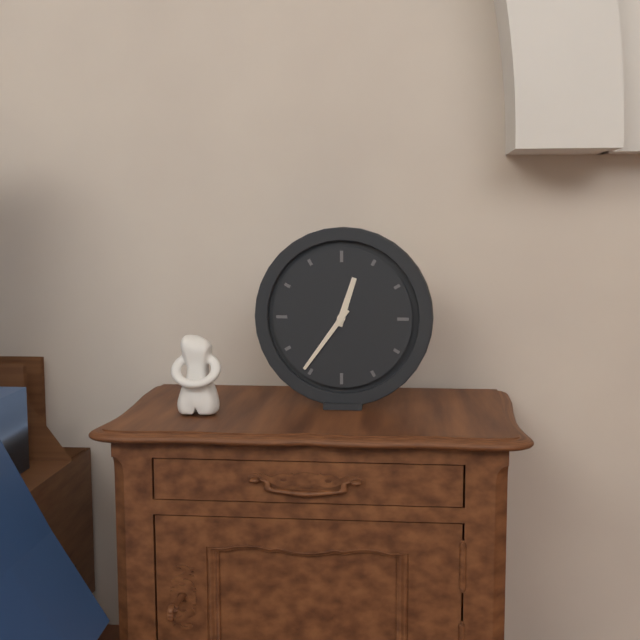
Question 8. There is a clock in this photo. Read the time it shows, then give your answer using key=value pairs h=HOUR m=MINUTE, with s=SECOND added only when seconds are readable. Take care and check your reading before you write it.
h=12 m=36
